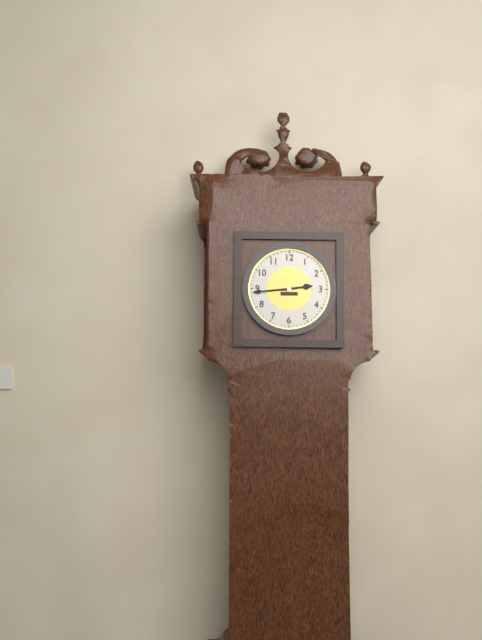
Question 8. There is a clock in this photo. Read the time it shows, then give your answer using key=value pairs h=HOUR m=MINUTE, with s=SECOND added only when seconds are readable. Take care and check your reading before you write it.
h=2 m=44
